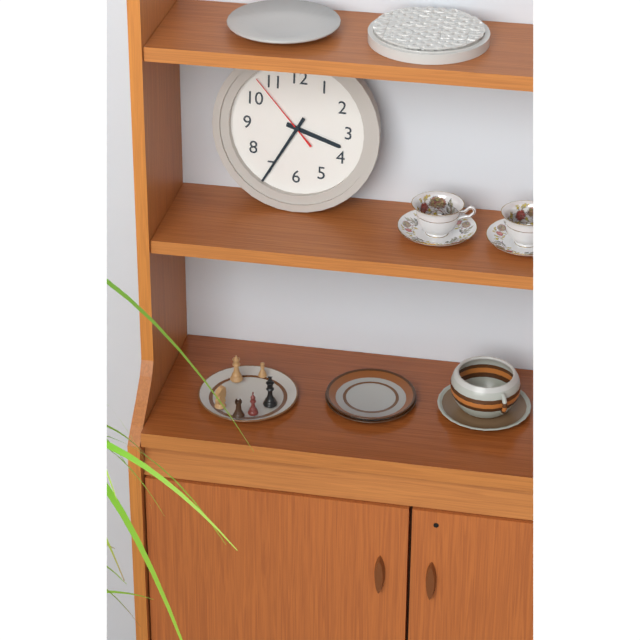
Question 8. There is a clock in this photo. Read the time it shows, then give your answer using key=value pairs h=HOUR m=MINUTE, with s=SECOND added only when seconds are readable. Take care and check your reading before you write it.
h=3 m=35 s=53
